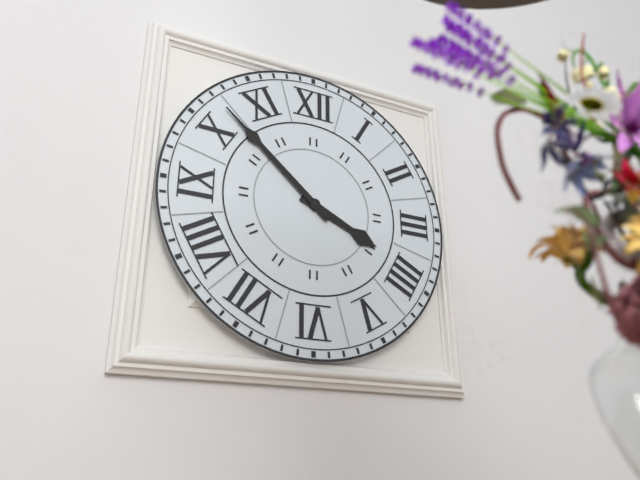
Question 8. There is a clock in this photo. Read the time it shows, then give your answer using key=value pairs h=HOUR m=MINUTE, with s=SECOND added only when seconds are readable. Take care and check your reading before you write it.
h=3 m=52
